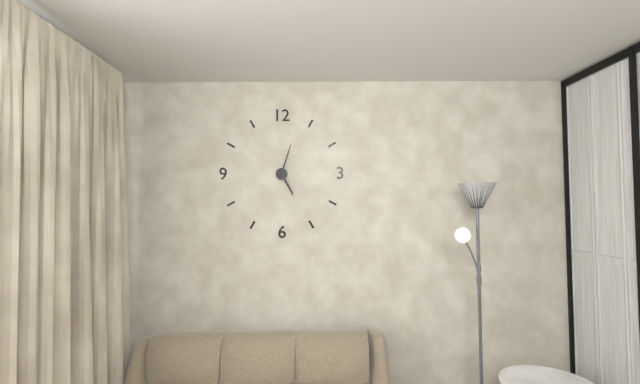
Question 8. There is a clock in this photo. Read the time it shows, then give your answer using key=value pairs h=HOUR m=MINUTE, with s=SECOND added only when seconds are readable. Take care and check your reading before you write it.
h=5 m=3
